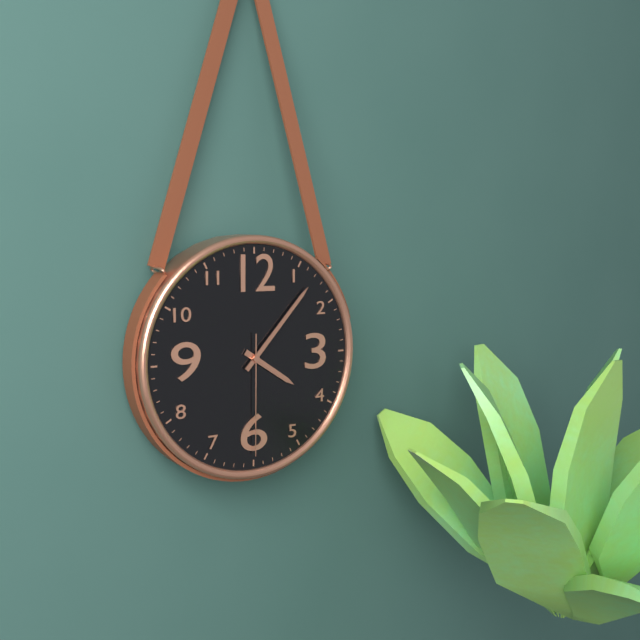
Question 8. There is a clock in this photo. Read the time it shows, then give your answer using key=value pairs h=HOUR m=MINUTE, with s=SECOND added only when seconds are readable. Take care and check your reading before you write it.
h=4 m=7 s=30
